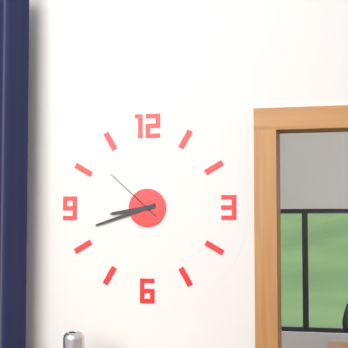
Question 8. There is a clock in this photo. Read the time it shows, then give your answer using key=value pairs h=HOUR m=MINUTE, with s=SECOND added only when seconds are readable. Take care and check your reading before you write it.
h=8 m=42 s=52
